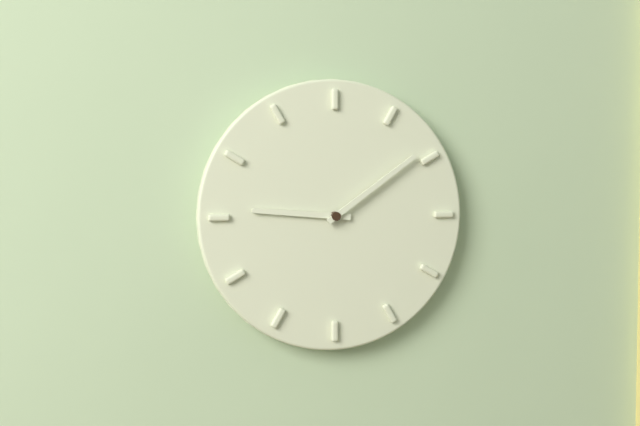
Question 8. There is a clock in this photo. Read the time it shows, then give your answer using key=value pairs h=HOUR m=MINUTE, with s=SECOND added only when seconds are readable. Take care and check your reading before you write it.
h=9 m=9
